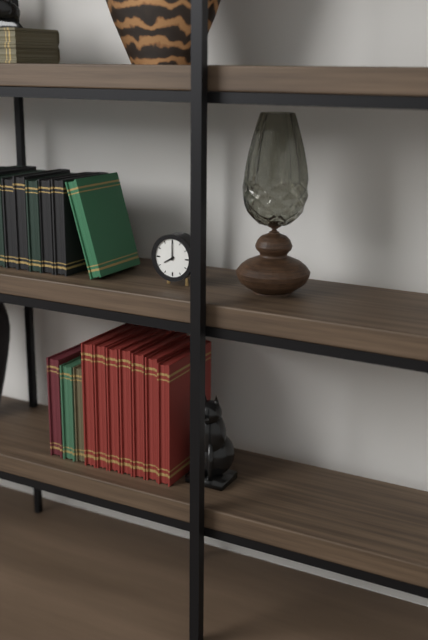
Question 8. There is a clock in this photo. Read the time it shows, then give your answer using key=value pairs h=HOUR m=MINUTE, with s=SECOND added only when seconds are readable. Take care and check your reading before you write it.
h=8 m=0
